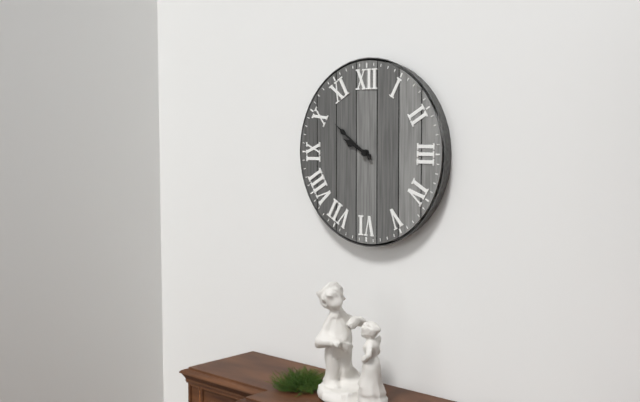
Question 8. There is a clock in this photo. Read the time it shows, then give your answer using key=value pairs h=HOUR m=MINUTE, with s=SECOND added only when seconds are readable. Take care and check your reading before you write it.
h=9 m=51
